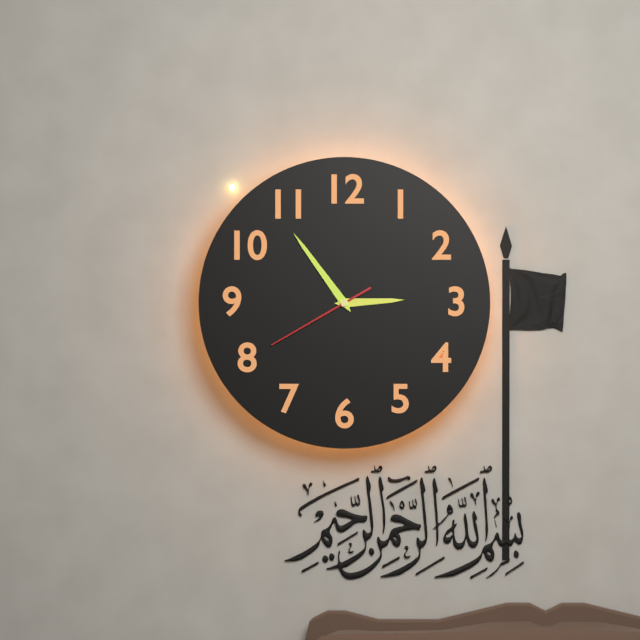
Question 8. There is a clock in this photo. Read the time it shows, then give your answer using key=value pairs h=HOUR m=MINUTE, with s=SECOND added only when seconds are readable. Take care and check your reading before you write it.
h=2 m=54 s=40
